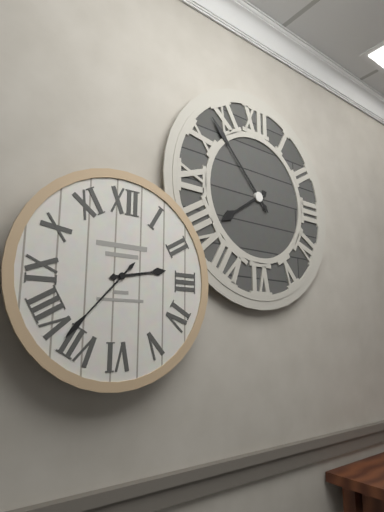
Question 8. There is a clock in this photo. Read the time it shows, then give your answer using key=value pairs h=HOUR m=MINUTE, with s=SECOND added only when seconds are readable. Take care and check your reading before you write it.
h=2 m=37
